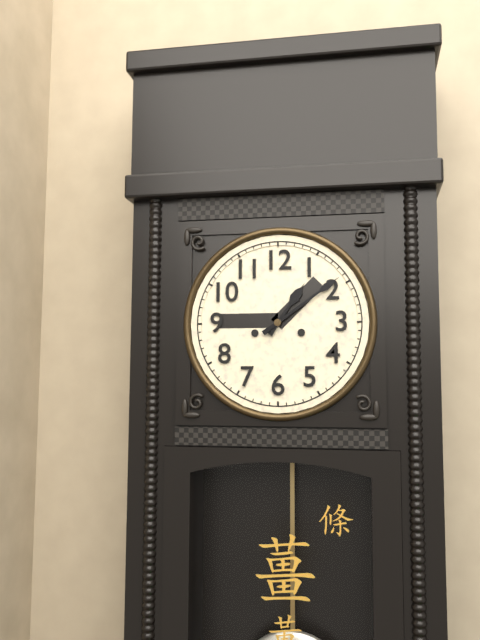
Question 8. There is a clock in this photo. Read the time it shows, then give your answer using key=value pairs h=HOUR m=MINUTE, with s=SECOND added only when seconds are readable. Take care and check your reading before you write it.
h=1 m=9
